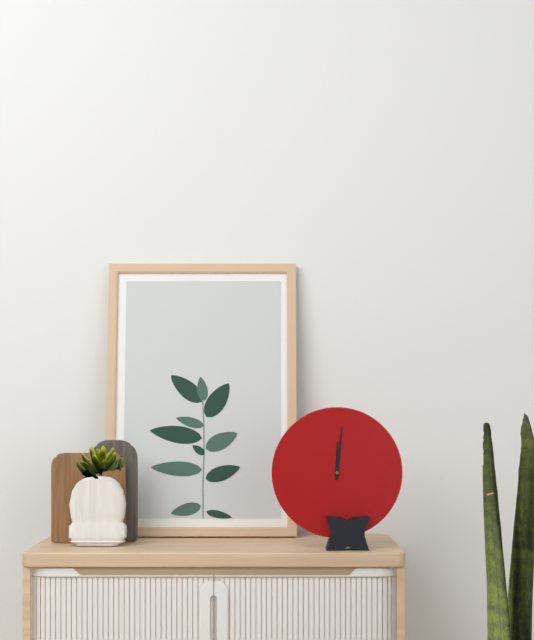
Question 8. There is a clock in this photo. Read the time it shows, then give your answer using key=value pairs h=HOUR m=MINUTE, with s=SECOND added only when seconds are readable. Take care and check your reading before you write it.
h=12 m=1
